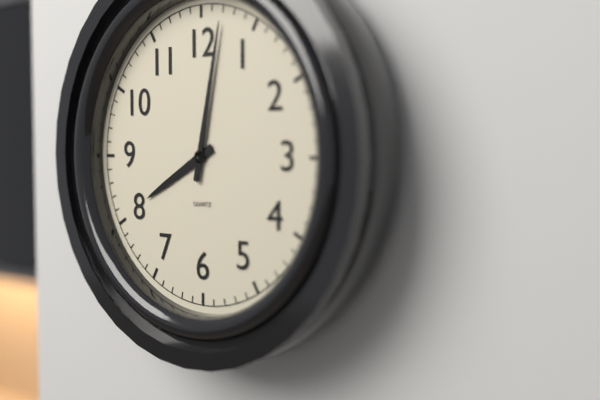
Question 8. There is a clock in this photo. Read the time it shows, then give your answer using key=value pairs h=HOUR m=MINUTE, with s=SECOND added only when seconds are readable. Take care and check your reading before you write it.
h=8 m=2
